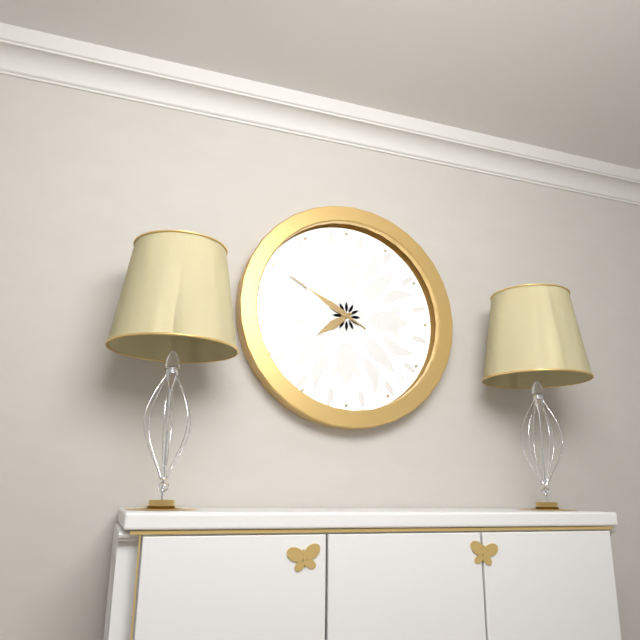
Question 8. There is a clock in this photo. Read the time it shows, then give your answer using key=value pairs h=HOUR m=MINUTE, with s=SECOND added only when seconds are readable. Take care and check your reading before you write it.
h=7 m=50
